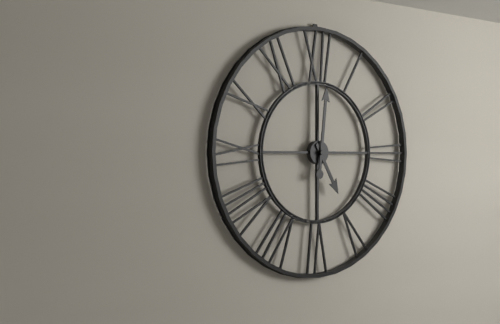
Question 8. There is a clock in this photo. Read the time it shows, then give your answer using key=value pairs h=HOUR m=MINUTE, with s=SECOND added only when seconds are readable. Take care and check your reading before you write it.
h=5 m=1
